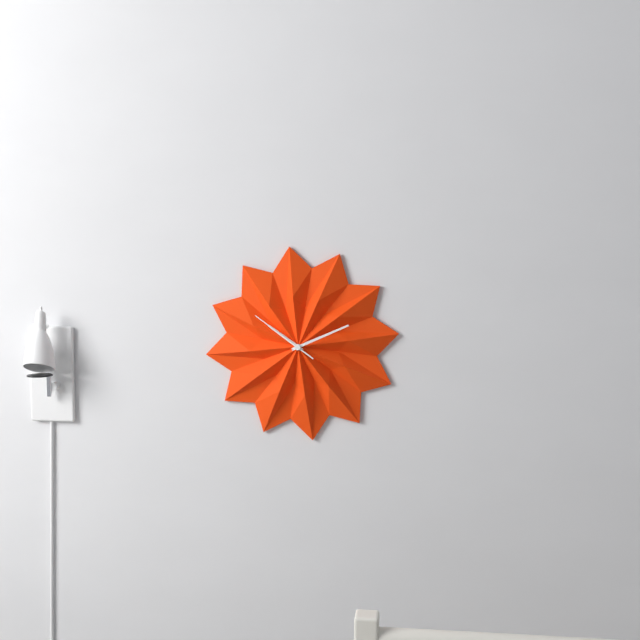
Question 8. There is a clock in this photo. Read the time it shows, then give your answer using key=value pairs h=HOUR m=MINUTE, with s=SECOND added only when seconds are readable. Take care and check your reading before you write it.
h=10 m=11 s=51
